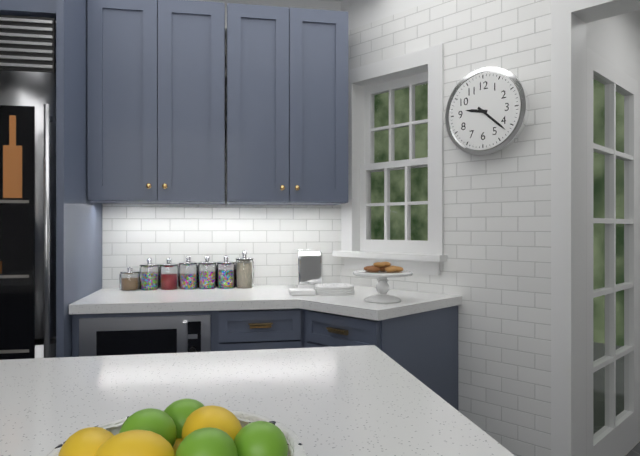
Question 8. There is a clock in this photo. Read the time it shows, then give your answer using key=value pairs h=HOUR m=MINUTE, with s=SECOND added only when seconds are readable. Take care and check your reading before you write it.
h=9 m=22
